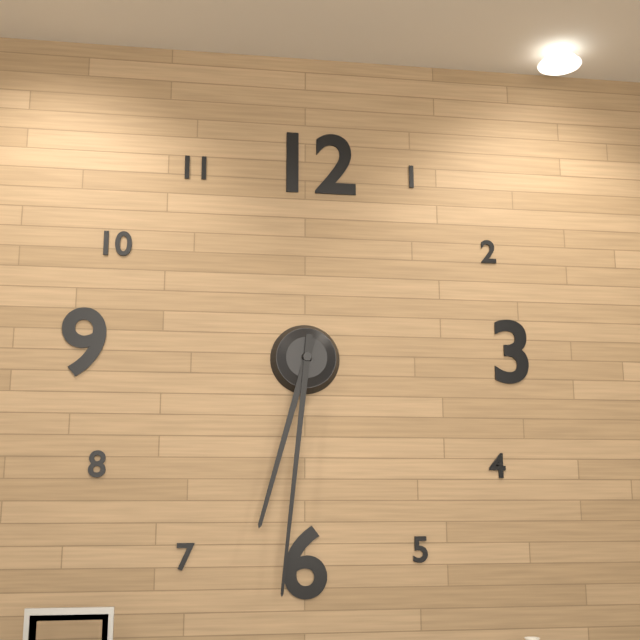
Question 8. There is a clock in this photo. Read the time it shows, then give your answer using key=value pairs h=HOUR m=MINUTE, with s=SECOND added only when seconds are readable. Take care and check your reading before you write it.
h=6 m=31
